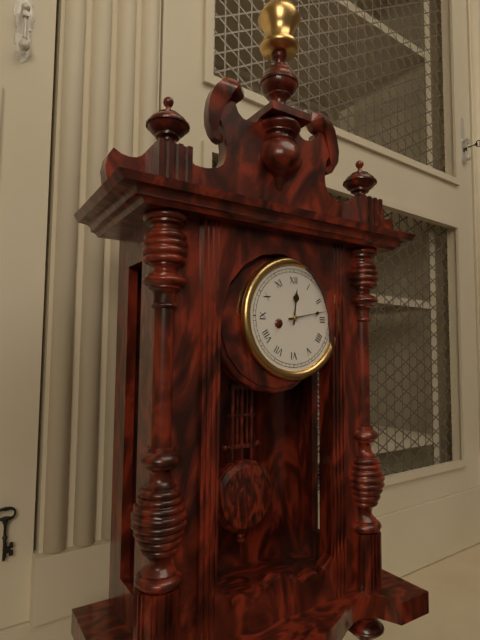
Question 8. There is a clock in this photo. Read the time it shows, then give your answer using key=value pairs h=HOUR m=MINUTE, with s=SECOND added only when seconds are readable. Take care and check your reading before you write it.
h=12 m=13
